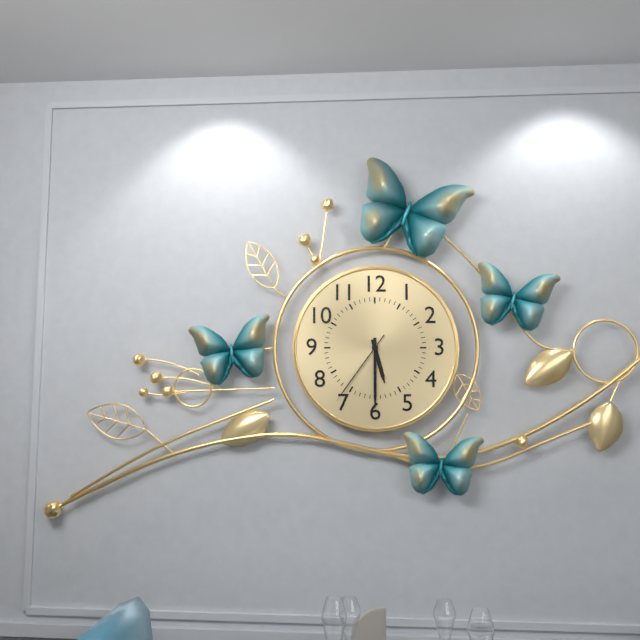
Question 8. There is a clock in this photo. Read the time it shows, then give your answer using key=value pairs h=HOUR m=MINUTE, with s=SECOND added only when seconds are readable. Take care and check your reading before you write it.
h=5 m=30 s=36
